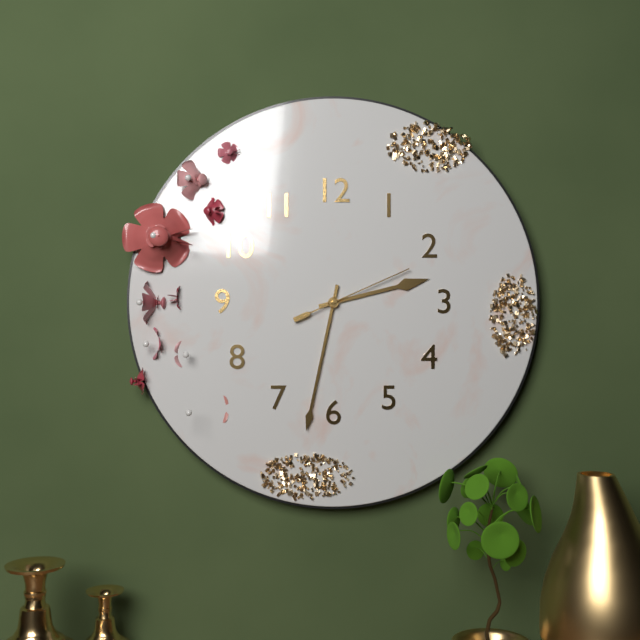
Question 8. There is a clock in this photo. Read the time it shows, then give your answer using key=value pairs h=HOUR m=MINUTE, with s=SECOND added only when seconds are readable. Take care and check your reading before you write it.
h=2 m=32 s=11
